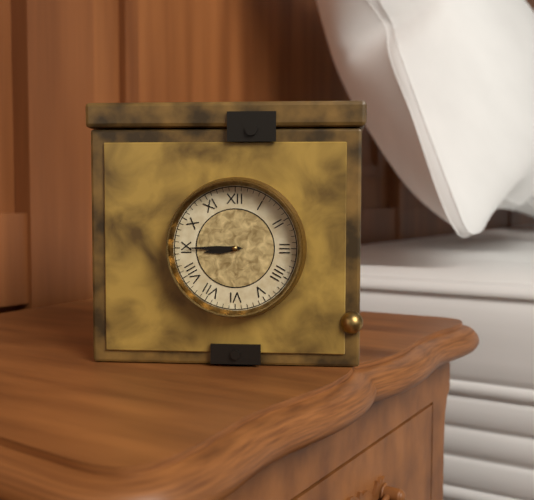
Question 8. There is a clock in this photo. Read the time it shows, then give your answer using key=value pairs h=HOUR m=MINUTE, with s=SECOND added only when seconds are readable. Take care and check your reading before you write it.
h=8 m=45
